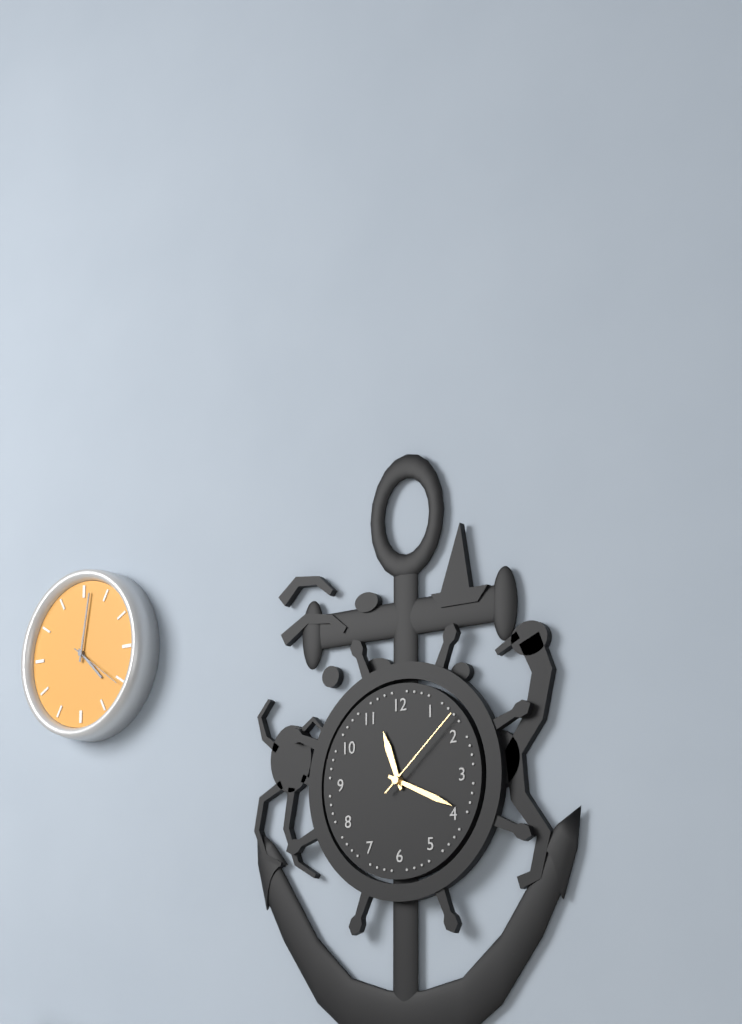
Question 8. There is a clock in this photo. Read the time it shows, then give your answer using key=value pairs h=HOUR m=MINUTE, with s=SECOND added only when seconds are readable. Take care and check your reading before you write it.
h=11 m=19 s=8
